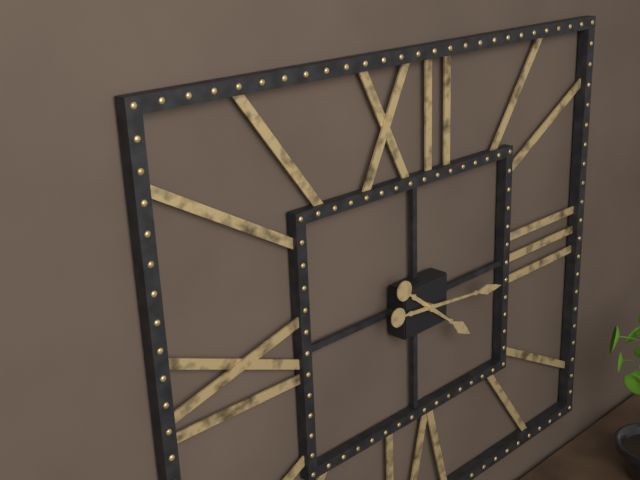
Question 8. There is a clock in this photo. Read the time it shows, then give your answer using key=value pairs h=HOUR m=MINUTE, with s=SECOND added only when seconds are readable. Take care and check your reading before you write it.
h=4 m=16
